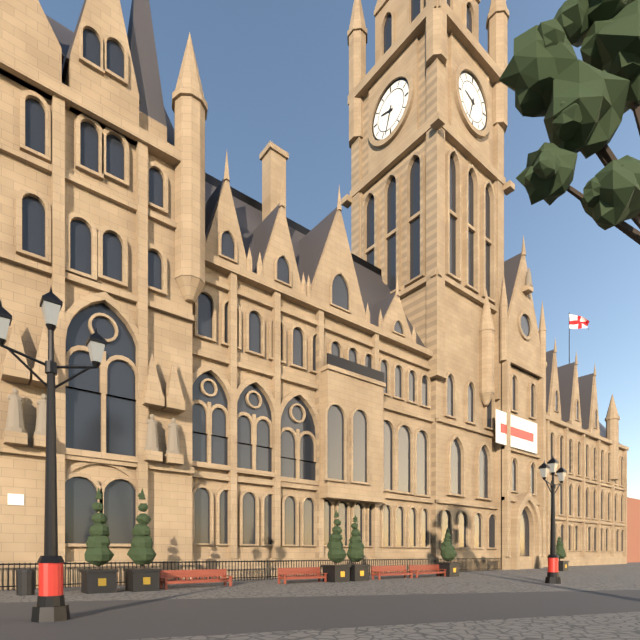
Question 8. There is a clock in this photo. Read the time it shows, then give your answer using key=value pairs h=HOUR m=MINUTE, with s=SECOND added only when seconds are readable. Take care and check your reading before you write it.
h=9 m=33
